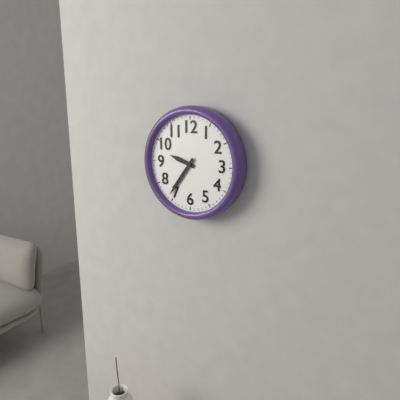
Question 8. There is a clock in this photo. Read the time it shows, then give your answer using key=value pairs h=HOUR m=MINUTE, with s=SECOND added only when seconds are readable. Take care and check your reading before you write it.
h=9 m=36
